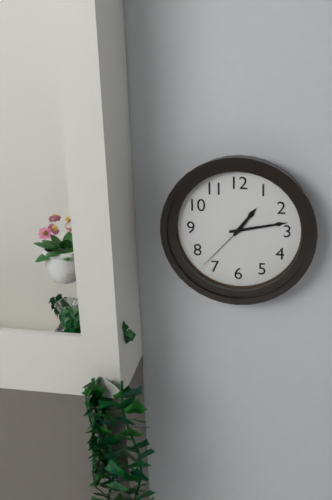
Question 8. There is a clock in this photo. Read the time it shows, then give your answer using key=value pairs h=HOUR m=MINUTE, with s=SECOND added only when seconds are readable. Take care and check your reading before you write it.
h=1 m=13 s=37
